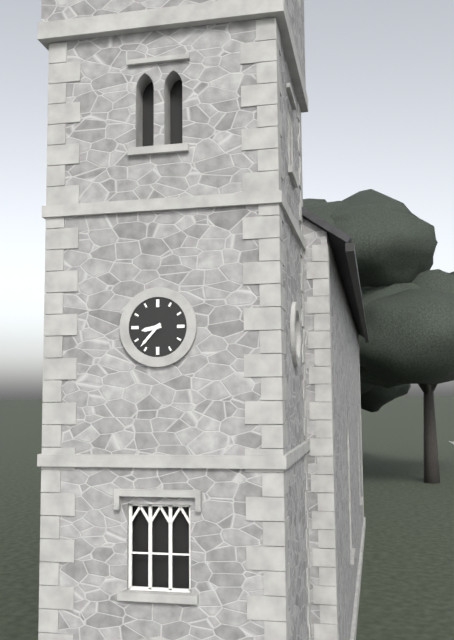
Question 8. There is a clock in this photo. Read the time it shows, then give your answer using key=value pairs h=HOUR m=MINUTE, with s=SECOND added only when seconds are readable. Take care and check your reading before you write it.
h=8 m=37
